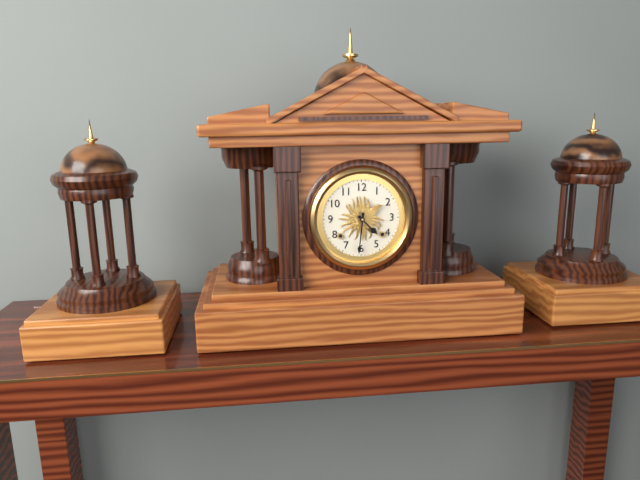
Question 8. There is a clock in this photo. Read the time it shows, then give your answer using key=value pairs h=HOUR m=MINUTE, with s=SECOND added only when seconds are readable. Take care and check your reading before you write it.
h=4 m=31
